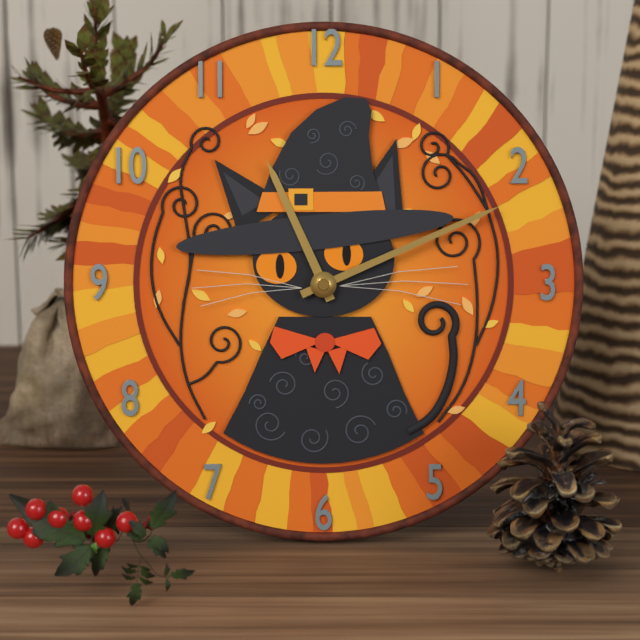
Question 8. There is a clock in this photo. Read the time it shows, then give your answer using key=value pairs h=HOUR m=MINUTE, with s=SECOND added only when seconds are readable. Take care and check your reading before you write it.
h=11 m=11
